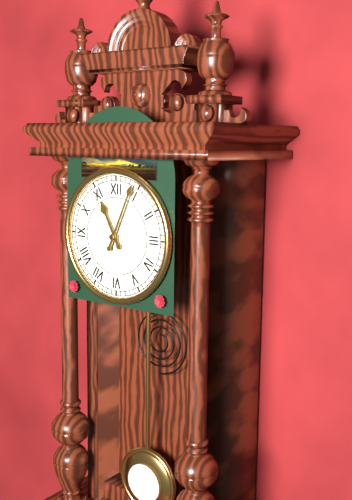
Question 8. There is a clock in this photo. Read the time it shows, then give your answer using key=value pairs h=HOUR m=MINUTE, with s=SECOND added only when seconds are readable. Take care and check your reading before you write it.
h=11 m=4
